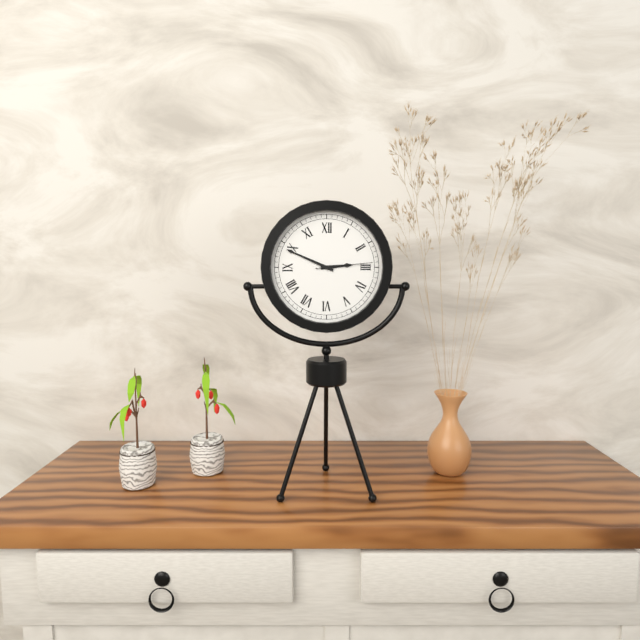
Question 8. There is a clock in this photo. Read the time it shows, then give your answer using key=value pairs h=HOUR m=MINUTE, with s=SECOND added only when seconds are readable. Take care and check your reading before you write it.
h=2 m=49 s=14
